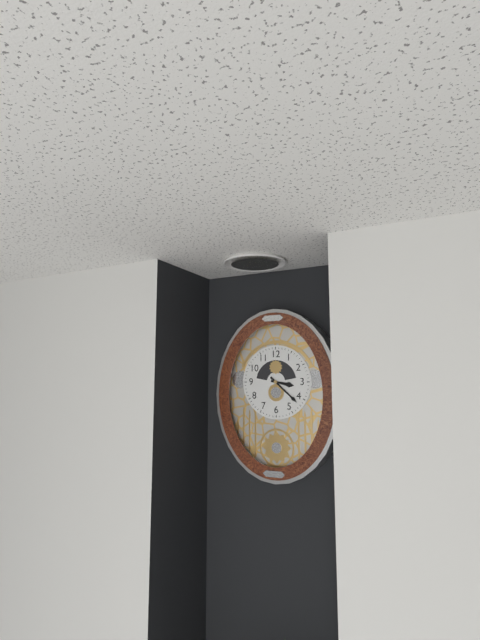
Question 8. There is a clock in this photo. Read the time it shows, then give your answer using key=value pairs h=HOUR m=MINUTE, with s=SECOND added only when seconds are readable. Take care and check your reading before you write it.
h=3 m=22
